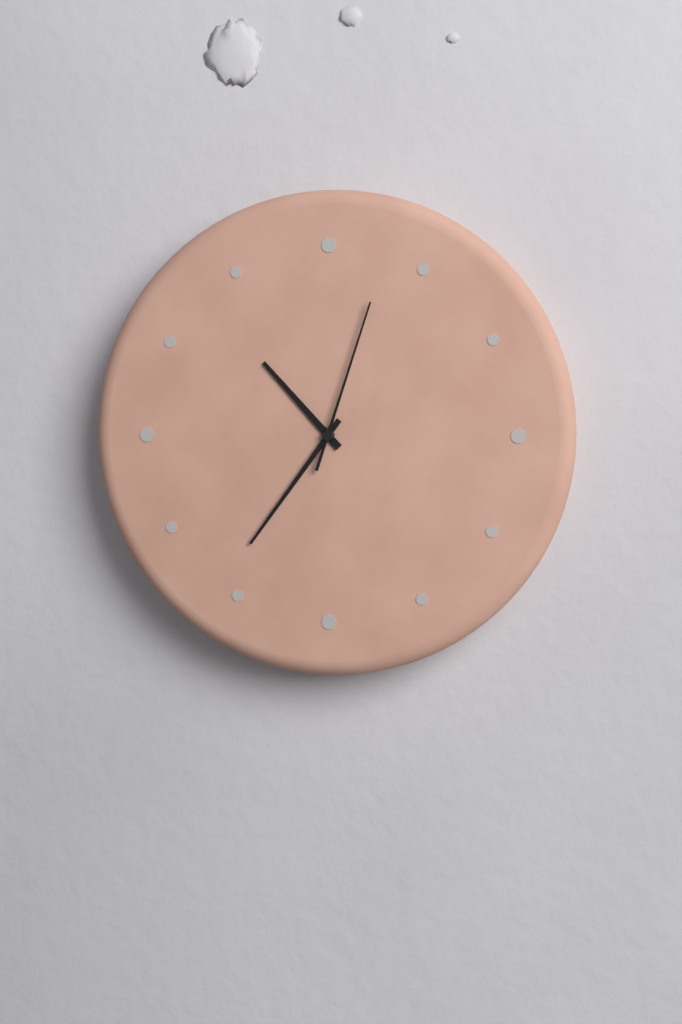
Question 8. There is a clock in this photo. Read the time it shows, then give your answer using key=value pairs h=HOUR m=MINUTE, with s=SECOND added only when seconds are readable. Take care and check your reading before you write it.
h=10 m=36 s=3
